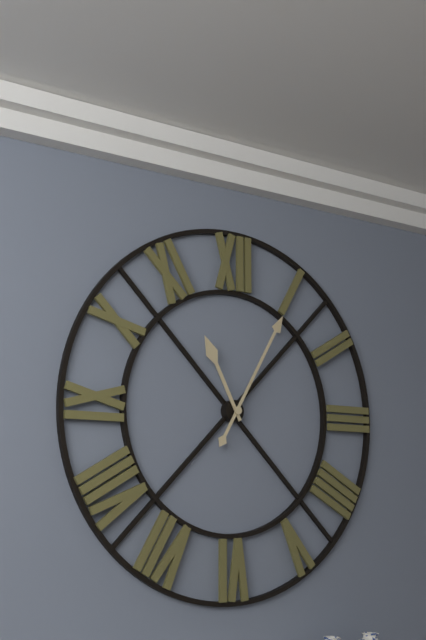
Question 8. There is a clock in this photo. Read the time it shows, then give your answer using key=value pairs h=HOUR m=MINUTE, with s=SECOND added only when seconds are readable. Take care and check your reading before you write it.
h=11 m=5
